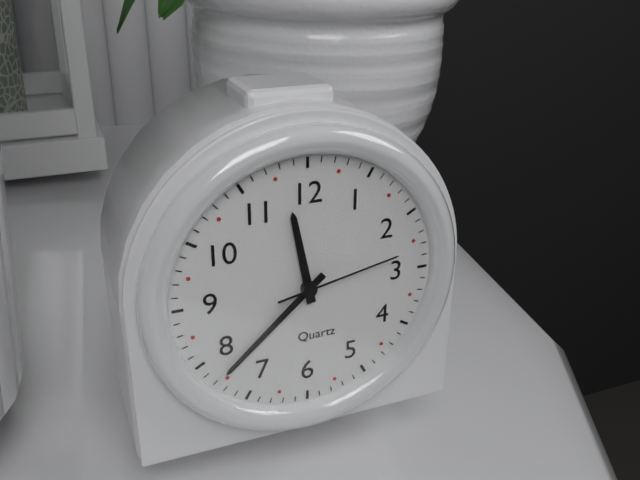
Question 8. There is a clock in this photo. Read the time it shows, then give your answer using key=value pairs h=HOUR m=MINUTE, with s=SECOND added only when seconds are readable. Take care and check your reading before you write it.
h=11 m=38 s=13
